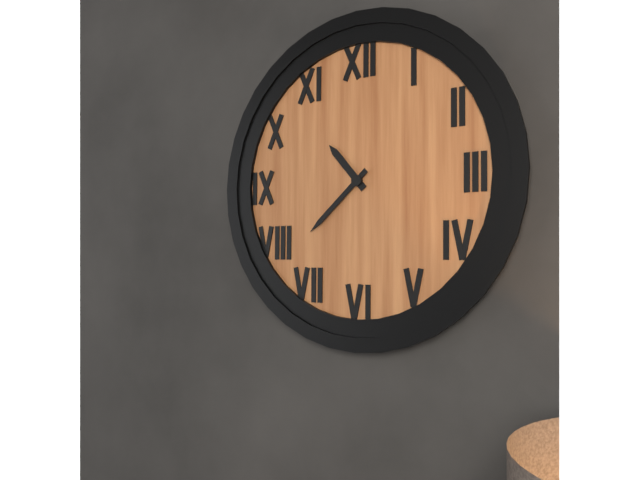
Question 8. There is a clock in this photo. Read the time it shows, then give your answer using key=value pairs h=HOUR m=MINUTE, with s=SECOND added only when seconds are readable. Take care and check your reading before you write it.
h=10 m=38
